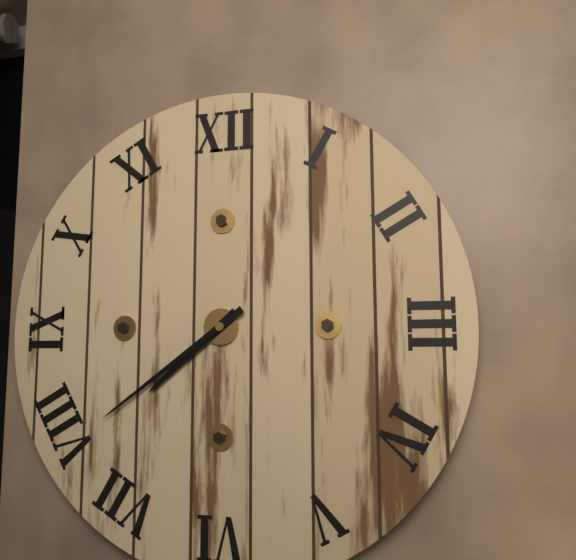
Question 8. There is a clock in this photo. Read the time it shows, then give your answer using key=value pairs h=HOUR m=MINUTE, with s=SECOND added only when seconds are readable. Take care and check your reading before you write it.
h=7 m=39
